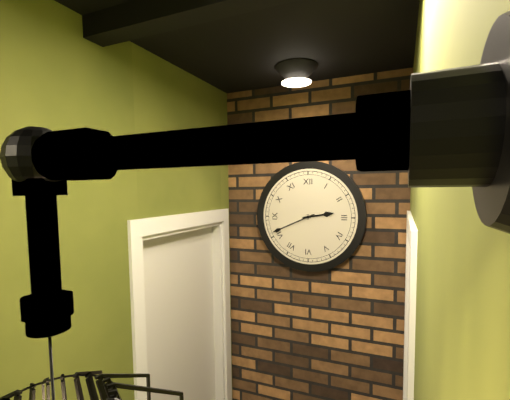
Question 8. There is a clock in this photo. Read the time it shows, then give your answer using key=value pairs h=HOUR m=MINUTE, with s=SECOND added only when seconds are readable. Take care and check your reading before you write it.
h=2 m=41
